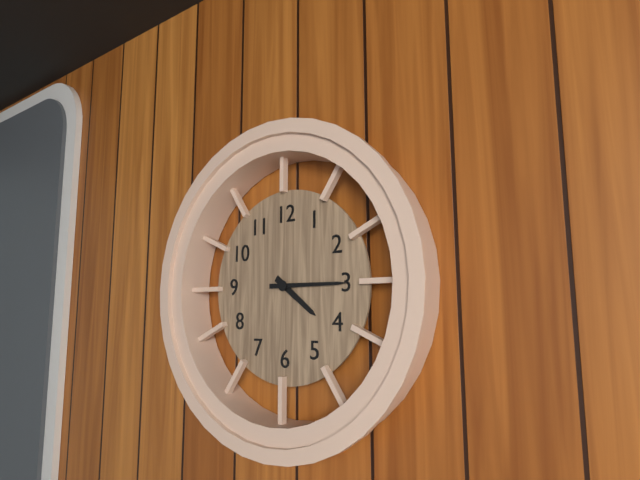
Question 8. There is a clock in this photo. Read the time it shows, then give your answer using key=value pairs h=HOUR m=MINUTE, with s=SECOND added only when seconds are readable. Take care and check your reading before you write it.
h=4 m=15
